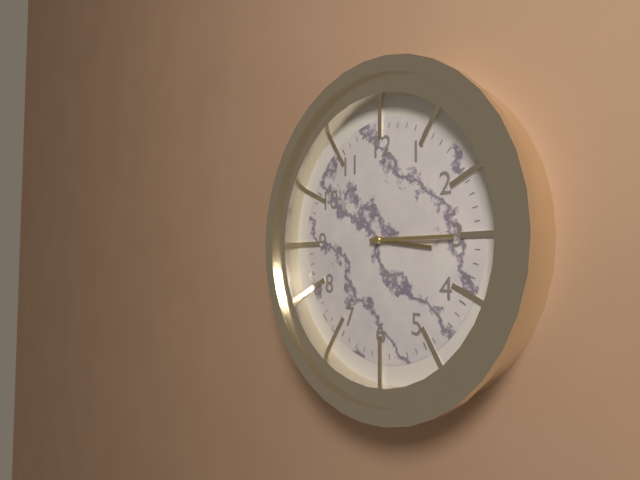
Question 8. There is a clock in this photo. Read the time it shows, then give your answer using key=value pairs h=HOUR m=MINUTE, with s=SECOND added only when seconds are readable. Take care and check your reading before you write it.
h=3 m=15
